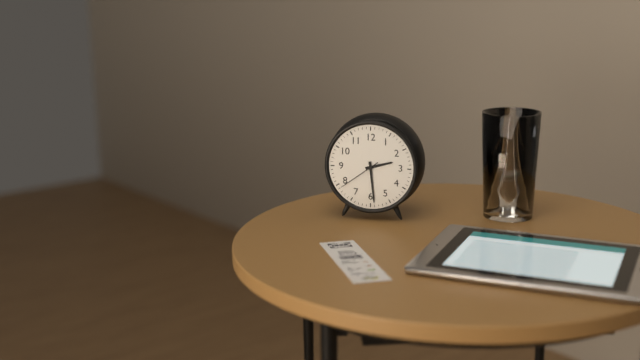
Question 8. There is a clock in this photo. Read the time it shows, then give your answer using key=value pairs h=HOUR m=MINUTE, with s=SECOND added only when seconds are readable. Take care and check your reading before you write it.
h=2 m=29
